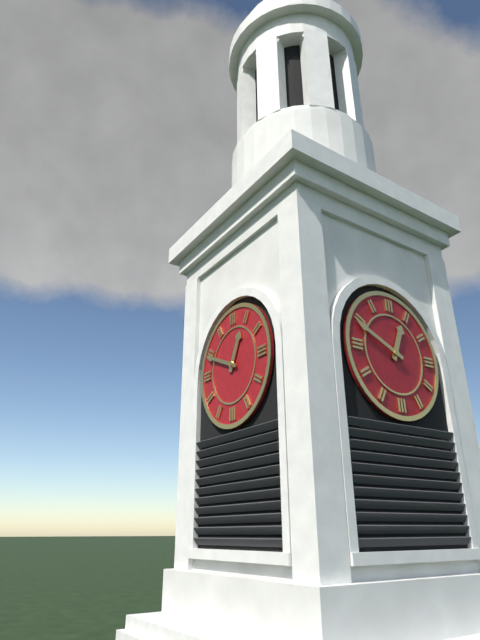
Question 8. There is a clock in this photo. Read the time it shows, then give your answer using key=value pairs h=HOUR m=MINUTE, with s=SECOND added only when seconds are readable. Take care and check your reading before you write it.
h=12 m=49
